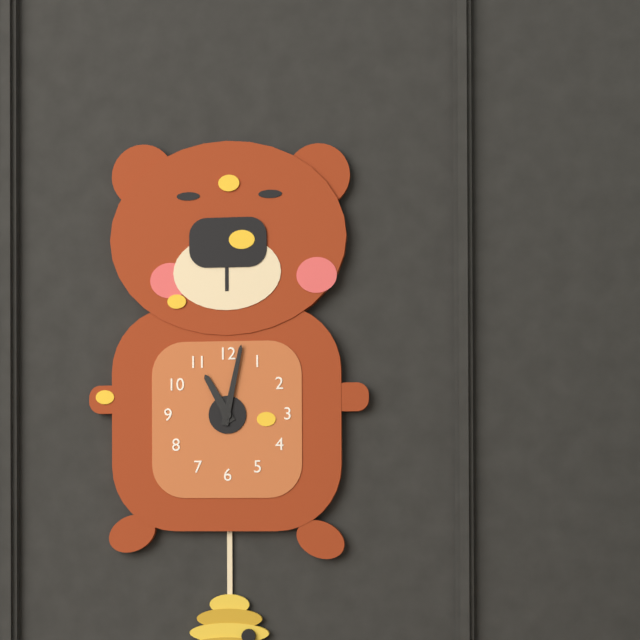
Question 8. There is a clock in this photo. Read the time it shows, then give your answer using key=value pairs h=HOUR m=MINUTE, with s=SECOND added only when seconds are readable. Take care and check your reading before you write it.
h=11 m=2
